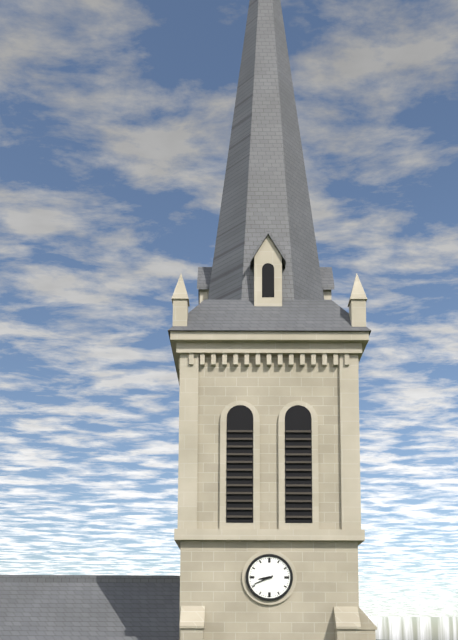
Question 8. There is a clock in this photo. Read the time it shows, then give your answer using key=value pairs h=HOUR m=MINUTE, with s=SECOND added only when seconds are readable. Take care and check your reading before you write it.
h=8 m=41
